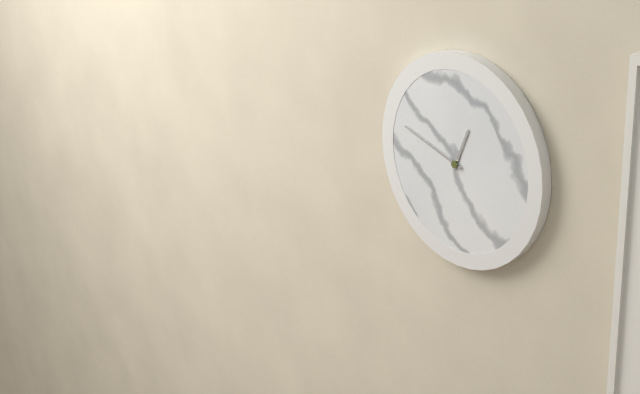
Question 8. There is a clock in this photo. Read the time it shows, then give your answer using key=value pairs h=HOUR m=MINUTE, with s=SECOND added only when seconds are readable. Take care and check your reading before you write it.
h=12 m=48
